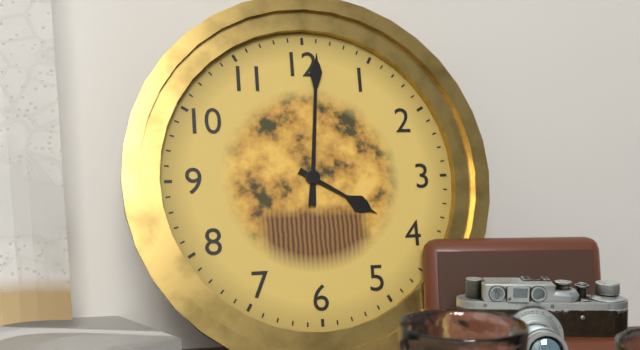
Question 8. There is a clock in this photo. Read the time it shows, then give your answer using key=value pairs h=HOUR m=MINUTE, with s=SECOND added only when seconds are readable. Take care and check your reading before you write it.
h=4 m=1
